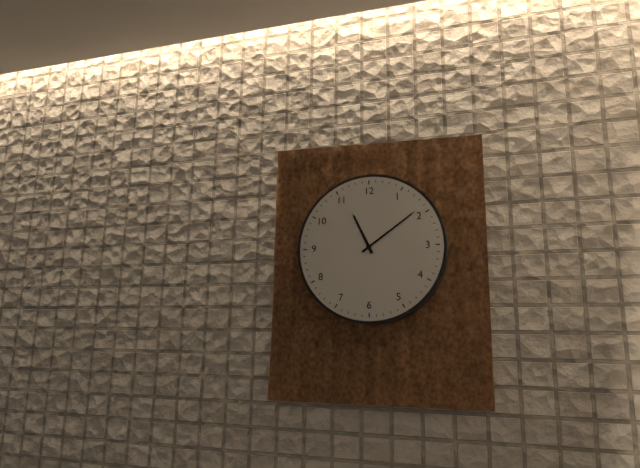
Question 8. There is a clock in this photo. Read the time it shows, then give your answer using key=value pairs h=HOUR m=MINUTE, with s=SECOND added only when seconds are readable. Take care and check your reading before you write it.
h=11 m=9
